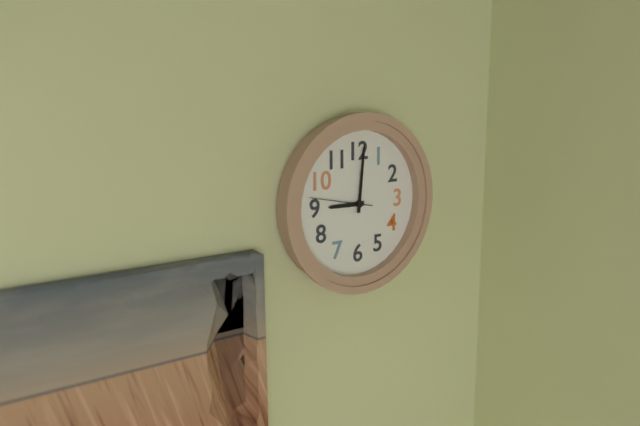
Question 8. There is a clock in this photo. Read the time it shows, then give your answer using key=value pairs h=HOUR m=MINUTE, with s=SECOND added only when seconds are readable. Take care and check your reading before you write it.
h=9 m=1 s=47
